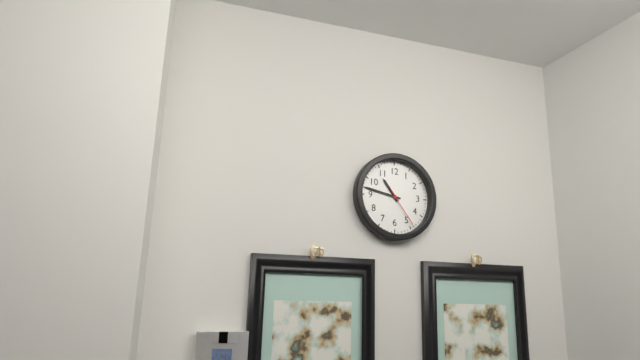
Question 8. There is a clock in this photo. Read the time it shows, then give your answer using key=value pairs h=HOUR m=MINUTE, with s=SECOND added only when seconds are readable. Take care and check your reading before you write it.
h=10 m=47
